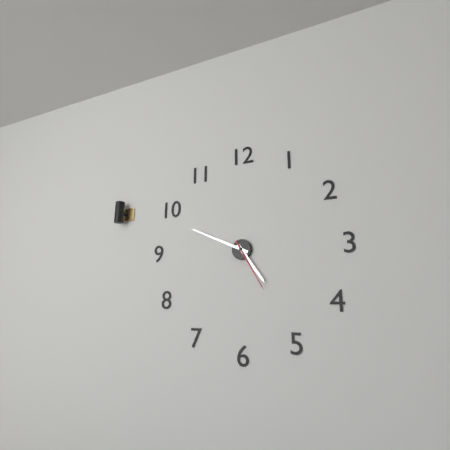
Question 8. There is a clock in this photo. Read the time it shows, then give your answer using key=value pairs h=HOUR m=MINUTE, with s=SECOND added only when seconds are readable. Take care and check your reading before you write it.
h=4 m=49 s=25
